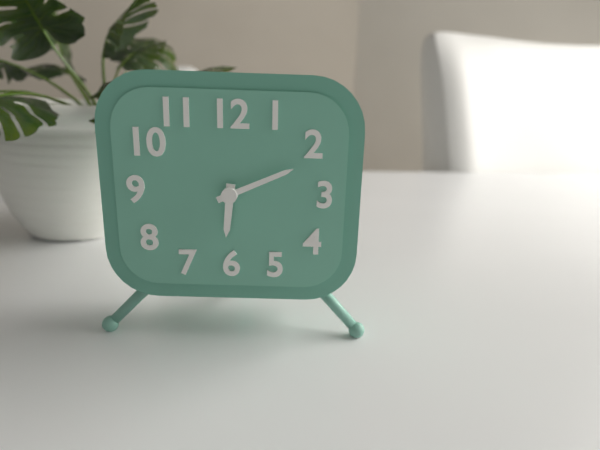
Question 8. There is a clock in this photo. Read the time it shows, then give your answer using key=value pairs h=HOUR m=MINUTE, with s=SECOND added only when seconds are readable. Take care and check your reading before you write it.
h=6 m=11
